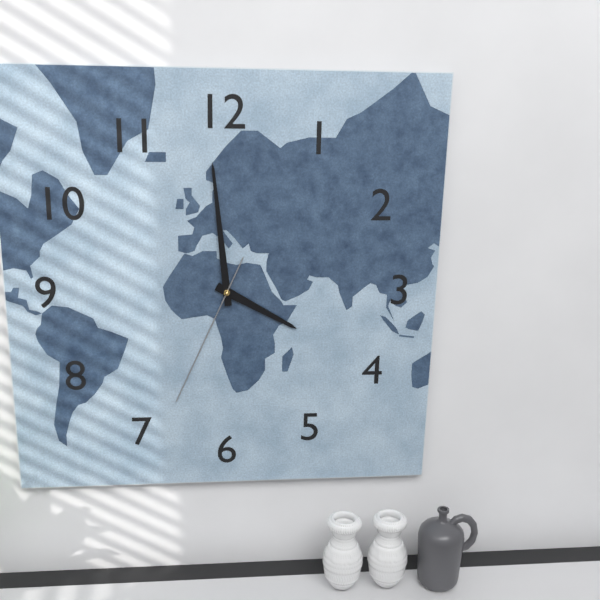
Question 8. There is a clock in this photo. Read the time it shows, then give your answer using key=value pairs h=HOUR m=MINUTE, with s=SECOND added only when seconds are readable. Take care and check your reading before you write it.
h=3 m=59 s=34
